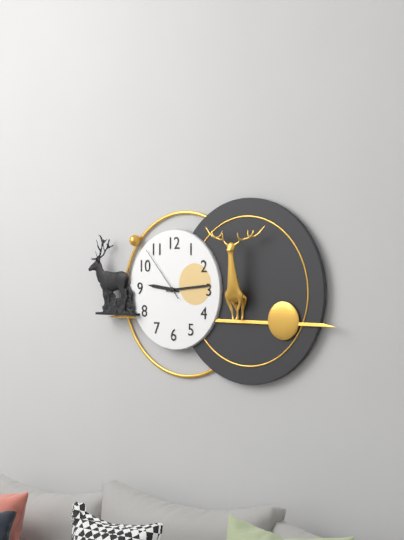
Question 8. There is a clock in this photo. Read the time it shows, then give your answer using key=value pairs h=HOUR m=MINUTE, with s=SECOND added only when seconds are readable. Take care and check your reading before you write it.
h=9 m=14 s=53
